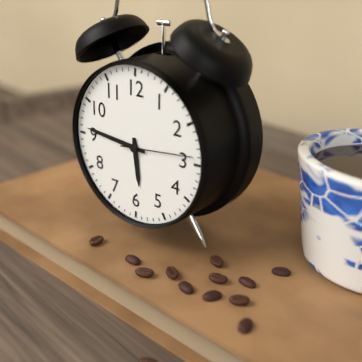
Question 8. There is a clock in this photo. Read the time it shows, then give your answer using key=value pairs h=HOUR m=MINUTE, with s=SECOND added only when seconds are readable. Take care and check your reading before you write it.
h=5 m=46 s=14
